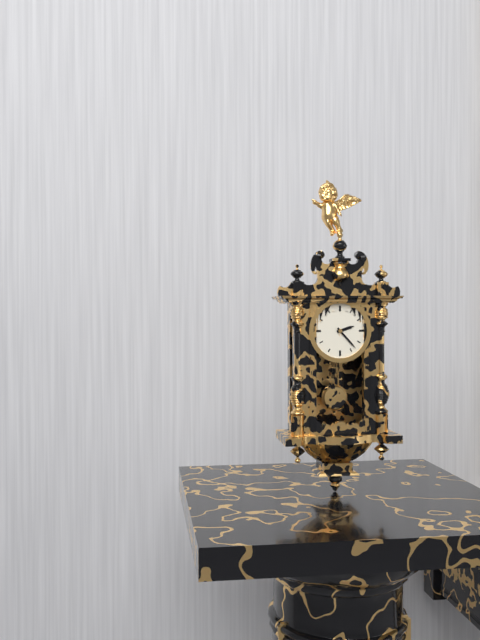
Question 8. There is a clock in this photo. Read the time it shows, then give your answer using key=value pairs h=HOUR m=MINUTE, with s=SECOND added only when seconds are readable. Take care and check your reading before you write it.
h=2 m=23
